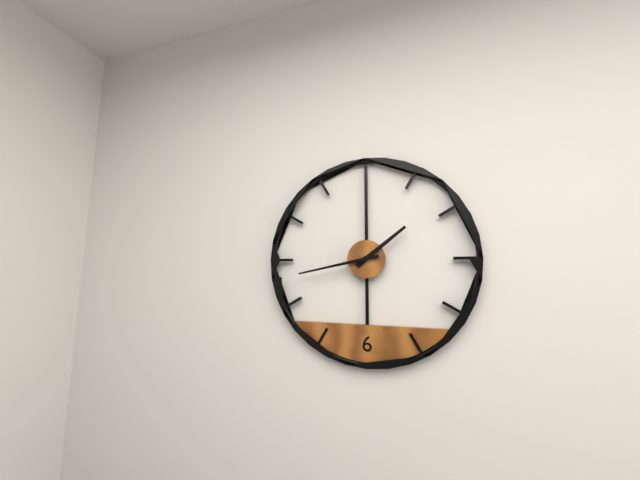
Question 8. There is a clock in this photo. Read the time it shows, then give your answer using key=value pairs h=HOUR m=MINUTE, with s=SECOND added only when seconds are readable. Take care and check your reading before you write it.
h=1 m=43
